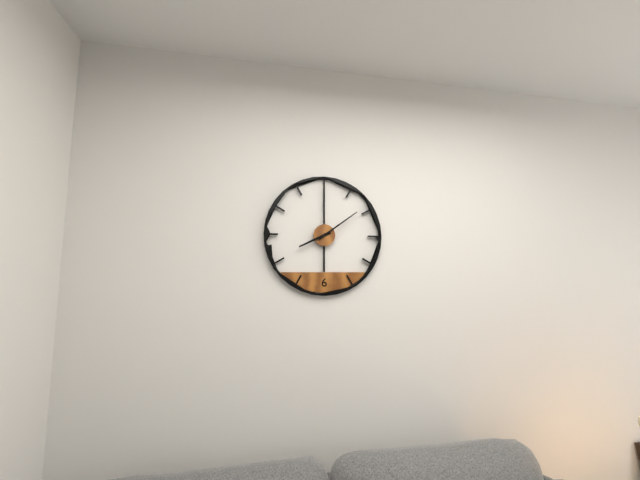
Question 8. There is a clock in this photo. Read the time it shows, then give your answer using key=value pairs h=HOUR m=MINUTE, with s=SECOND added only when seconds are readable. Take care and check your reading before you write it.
h=8 m=9
